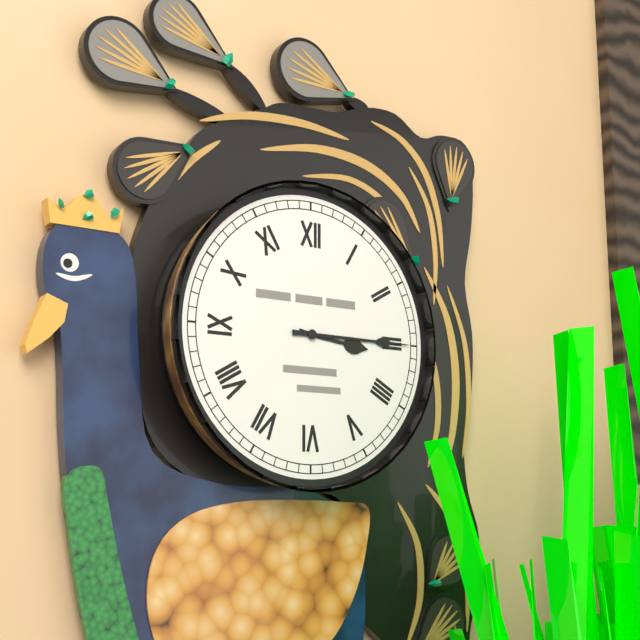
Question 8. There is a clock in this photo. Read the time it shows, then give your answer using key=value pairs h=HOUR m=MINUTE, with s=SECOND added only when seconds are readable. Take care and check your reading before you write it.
h=3 m=15
